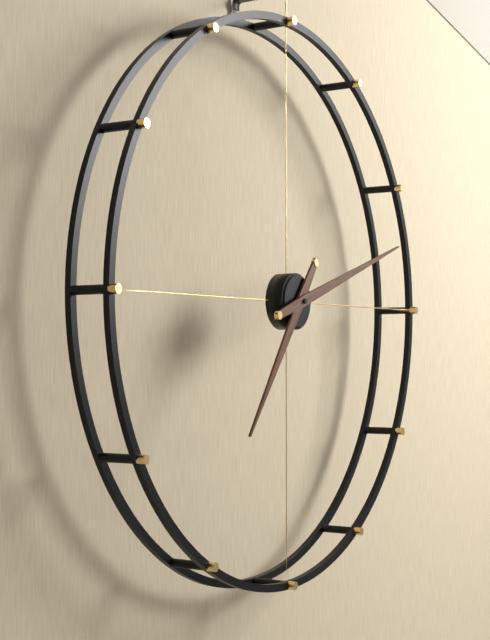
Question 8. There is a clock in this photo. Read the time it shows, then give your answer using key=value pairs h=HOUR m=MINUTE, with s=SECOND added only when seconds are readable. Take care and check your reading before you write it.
h=7 m=12
